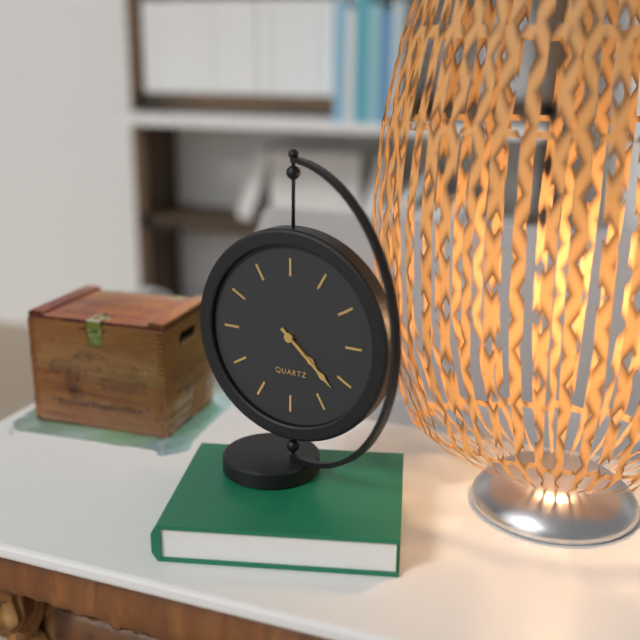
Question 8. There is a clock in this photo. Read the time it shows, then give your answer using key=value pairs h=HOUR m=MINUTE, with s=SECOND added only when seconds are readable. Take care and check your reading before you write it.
h=4 m=22
